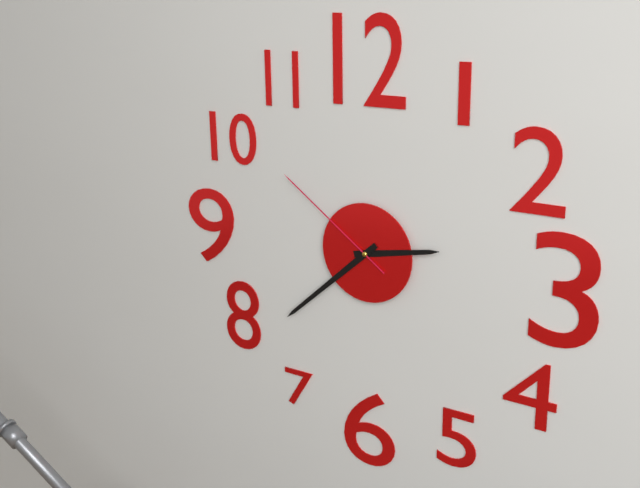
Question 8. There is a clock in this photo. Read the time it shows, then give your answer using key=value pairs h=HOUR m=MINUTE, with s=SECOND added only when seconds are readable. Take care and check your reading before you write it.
h=2 m=38 s=51
